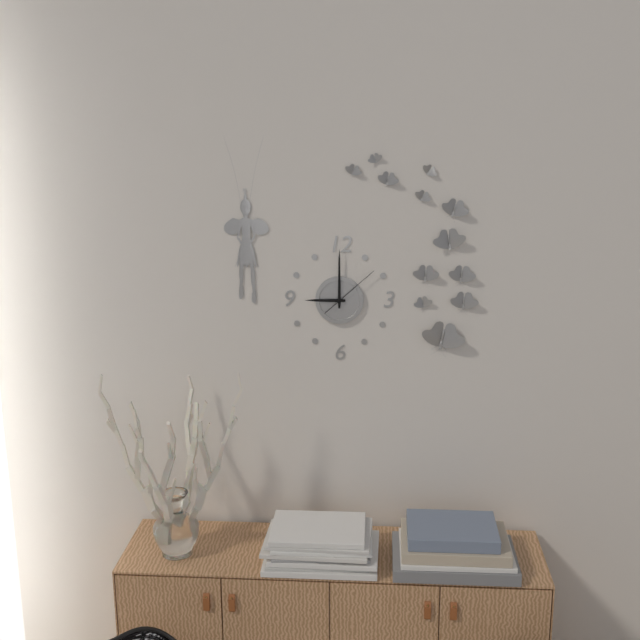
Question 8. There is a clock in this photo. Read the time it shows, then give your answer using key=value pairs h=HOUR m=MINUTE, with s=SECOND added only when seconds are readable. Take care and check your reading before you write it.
h=9 m=0 s=8
